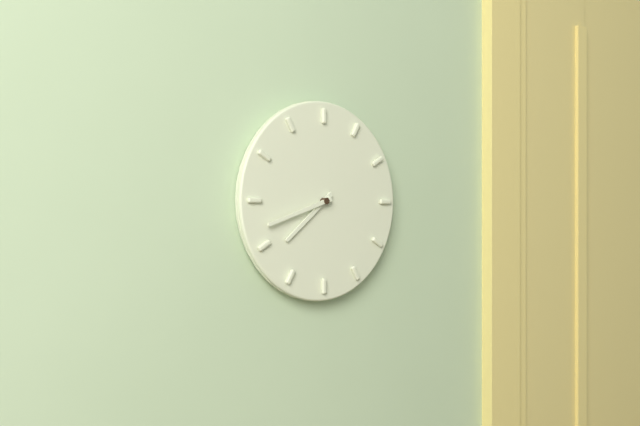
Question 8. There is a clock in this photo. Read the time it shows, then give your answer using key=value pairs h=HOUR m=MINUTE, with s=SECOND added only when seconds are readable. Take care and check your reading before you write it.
h=7 m=42
